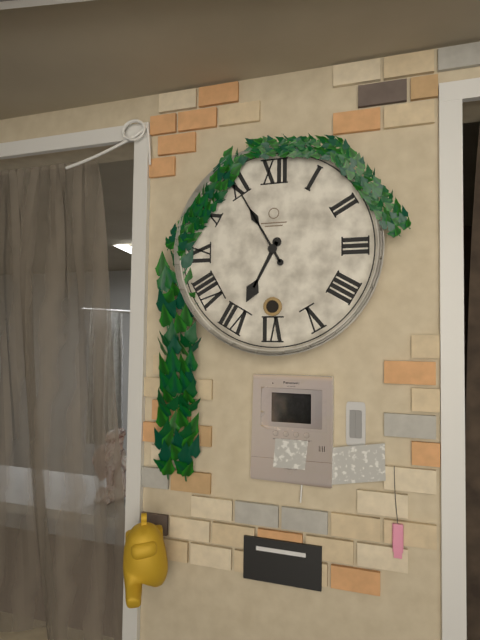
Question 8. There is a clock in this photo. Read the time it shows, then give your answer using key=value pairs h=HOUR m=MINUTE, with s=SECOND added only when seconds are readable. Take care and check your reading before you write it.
h=6 m=55
